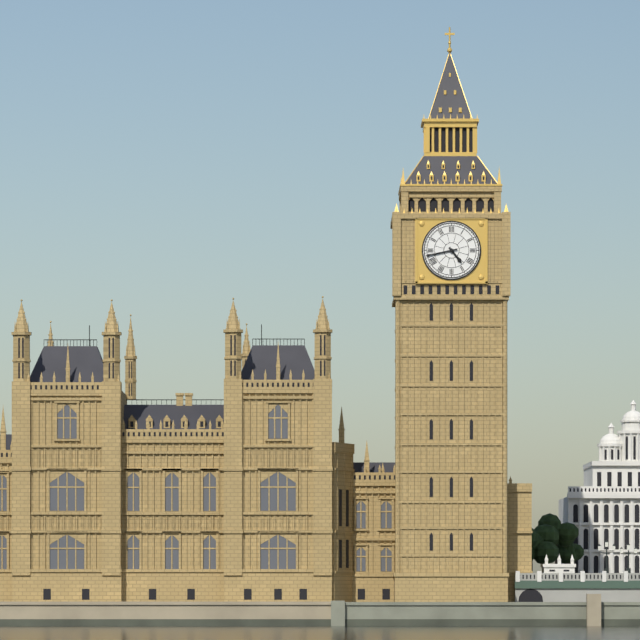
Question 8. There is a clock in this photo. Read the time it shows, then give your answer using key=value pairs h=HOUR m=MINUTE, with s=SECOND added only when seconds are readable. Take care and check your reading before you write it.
h=4 m=43
